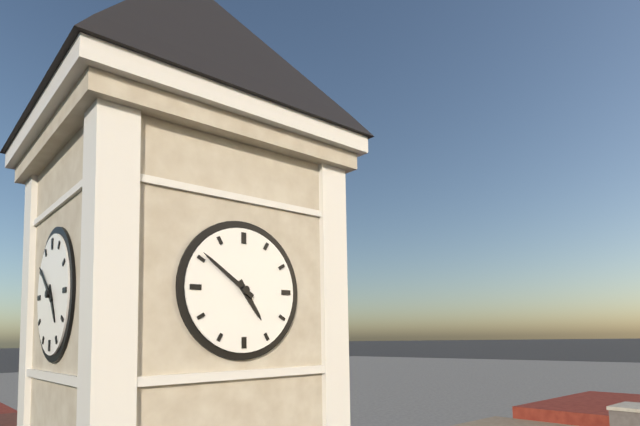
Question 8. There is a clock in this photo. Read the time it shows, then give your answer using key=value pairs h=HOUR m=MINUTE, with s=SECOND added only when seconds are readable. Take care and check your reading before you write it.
h=4 m=51
